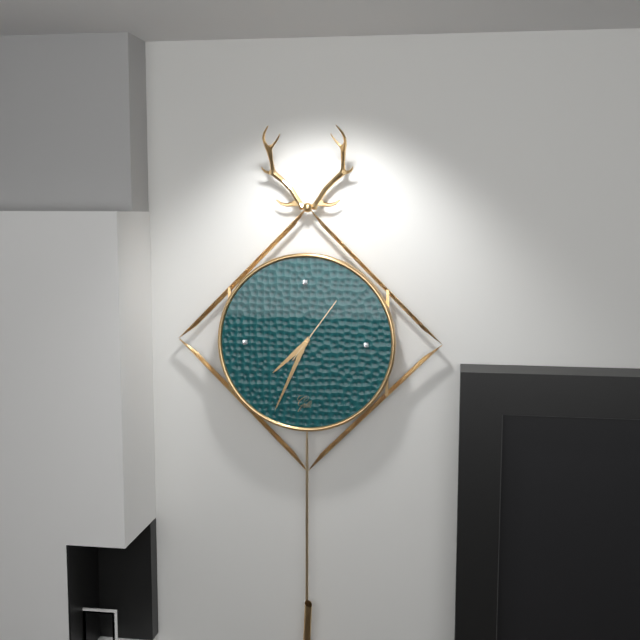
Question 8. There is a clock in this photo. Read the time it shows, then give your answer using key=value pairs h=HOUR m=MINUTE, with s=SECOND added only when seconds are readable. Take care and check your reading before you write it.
h=7 m=34 s=6
